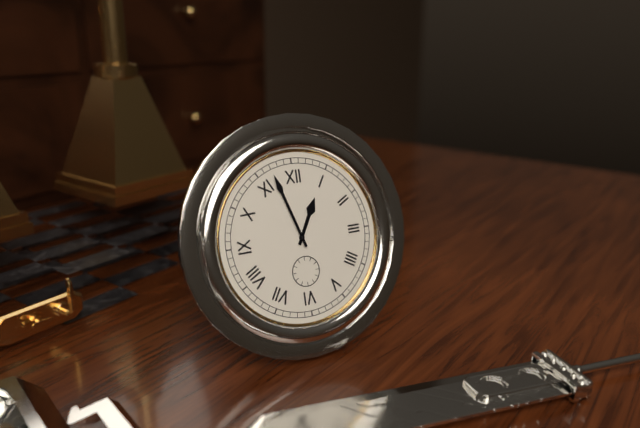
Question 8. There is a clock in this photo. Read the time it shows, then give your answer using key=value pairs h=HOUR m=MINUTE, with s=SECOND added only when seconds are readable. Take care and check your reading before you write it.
h=12 m=57
